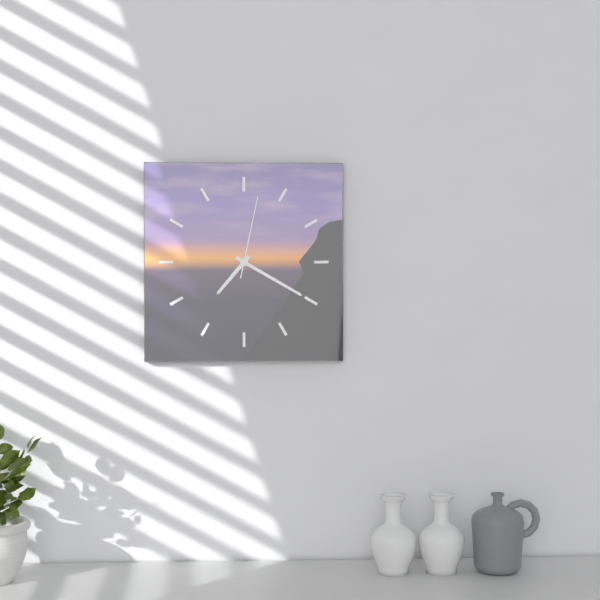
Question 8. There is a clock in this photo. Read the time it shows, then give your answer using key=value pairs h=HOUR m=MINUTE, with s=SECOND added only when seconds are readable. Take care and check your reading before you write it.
h=7 m=20 s=2
